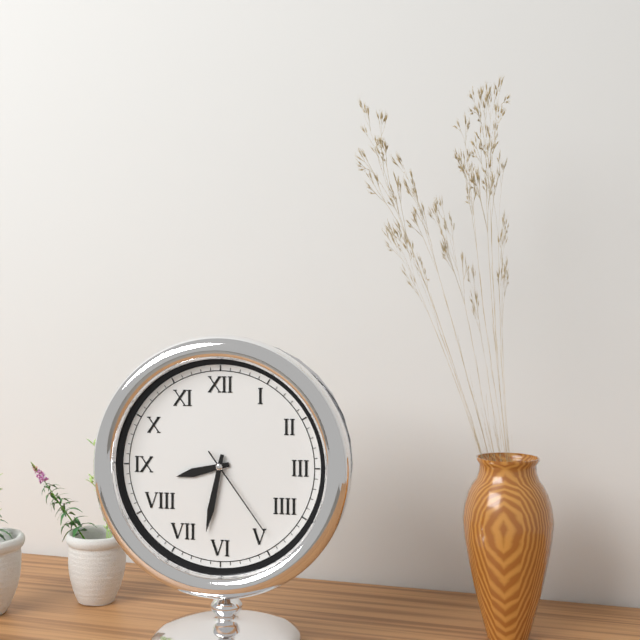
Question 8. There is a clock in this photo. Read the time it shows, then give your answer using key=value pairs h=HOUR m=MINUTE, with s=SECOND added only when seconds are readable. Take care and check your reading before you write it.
h=8 m=32 s=24
